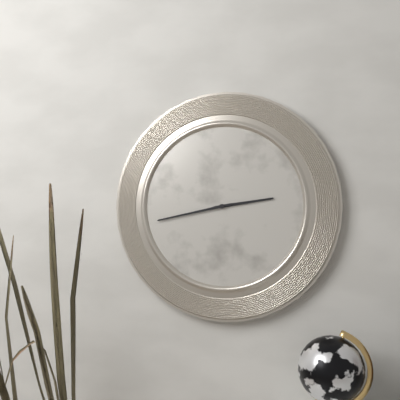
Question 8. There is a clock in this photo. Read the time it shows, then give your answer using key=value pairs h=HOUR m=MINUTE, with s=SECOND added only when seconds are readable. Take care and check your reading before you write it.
h=2 m=43
